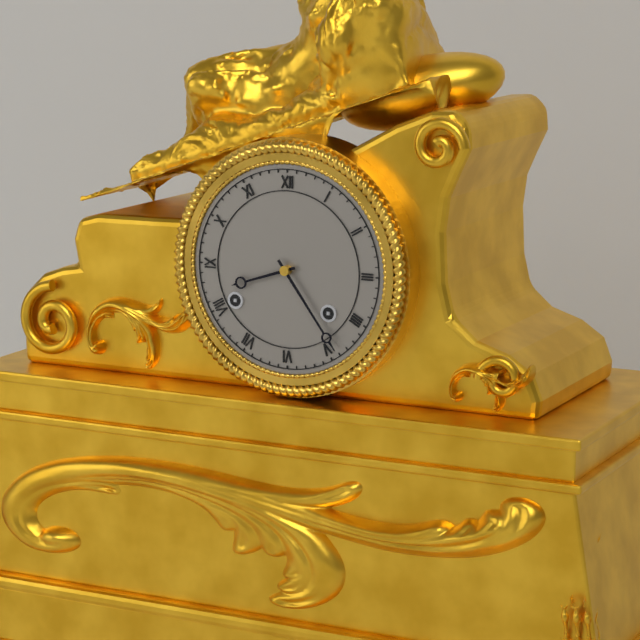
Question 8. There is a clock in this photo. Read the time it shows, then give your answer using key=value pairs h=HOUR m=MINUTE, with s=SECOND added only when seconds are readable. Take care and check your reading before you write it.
h=8 m=24
